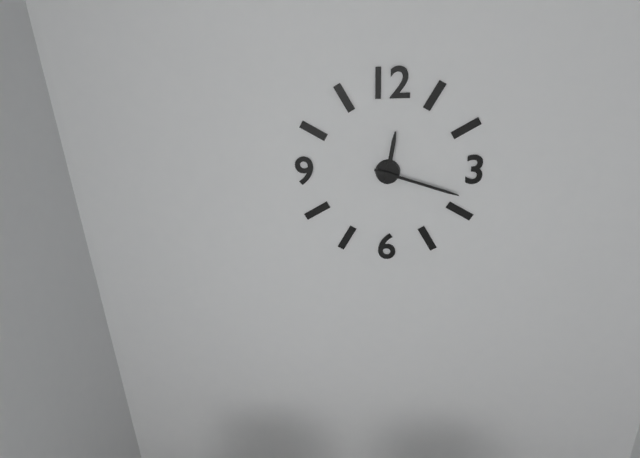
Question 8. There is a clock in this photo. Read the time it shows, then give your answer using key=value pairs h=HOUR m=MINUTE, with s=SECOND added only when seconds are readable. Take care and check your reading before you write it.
h=12 m=18
